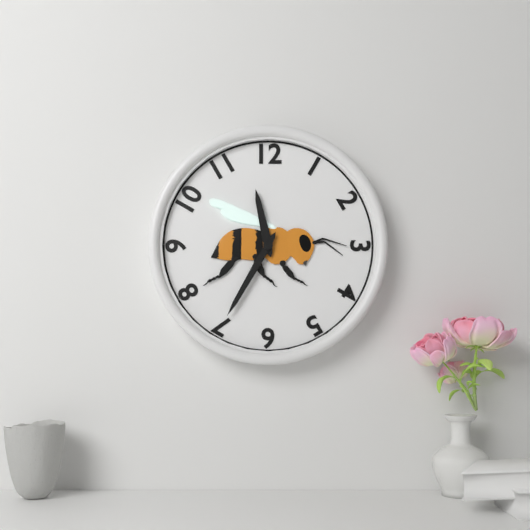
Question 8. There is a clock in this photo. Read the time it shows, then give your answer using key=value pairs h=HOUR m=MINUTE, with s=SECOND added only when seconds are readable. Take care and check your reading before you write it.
h=11 m=35
